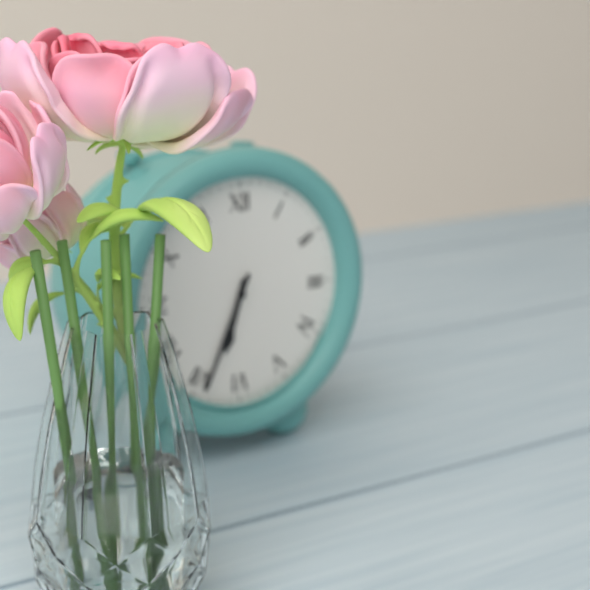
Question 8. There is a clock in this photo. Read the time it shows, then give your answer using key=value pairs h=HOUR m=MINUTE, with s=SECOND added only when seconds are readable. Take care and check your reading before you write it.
h=6 m=34
